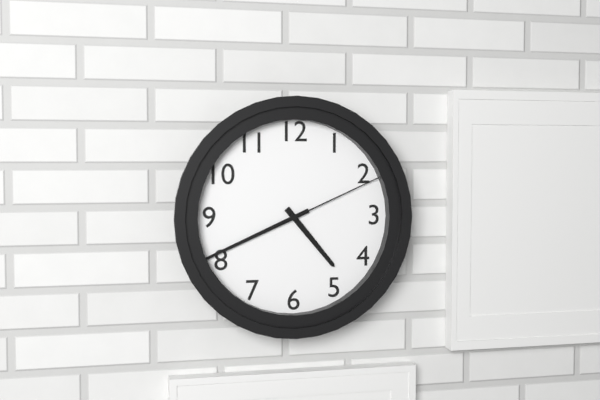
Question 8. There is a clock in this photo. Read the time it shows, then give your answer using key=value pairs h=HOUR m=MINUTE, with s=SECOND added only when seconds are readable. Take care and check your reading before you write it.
h=4 m=41 s=11
